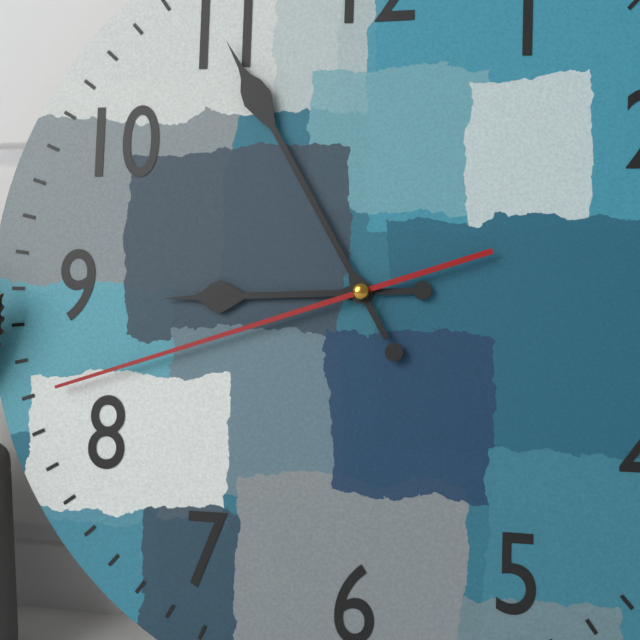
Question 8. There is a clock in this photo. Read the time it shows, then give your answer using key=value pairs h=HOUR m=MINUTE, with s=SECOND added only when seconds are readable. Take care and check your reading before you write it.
h=8 m=55 s=42
